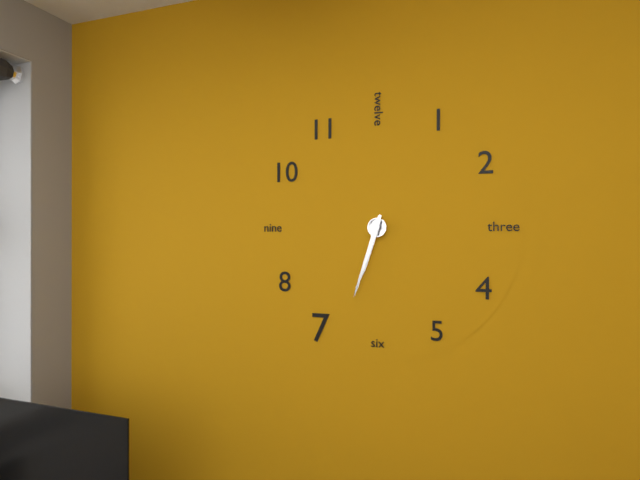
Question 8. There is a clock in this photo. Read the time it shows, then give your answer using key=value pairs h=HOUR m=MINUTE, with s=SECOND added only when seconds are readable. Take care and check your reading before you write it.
h=6 m=33
